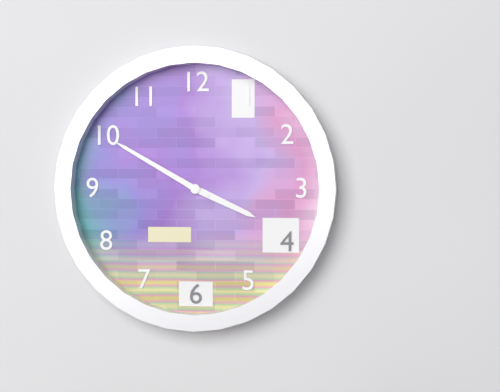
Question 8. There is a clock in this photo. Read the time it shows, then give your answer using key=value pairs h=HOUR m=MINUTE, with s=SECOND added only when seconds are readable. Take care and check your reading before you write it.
h=3 m=50
